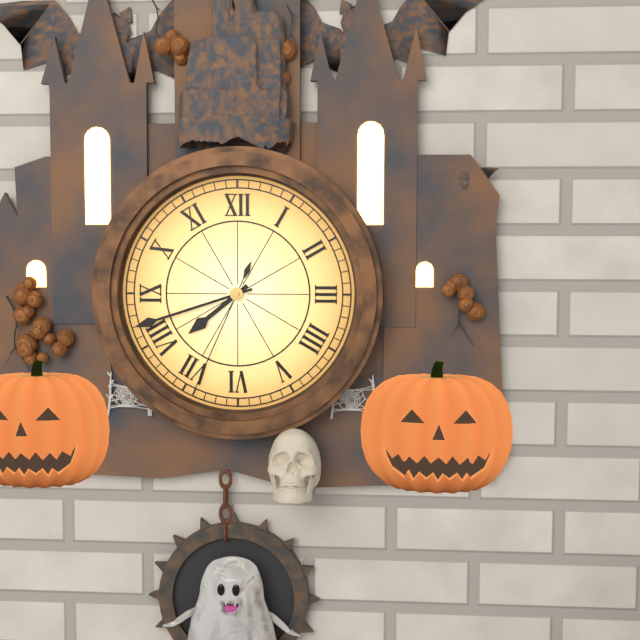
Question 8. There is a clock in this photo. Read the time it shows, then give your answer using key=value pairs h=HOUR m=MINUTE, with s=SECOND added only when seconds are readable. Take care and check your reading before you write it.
h=7 m=42 s=34
